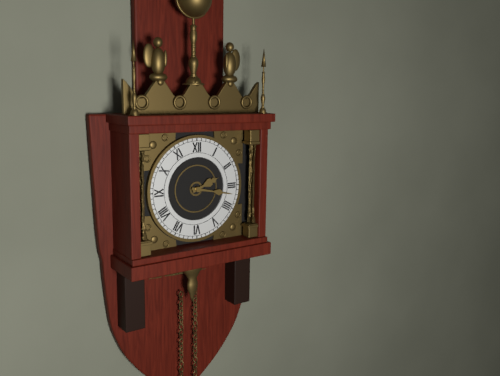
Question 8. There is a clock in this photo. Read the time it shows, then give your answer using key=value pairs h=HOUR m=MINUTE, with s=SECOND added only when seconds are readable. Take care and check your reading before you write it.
h=2 m=17
